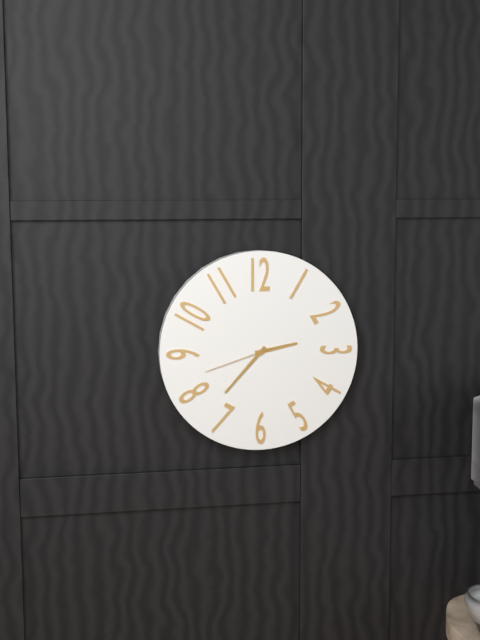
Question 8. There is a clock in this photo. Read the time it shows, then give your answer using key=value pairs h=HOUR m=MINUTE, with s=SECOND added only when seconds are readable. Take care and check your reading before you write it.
h=2 m=37 s=42
